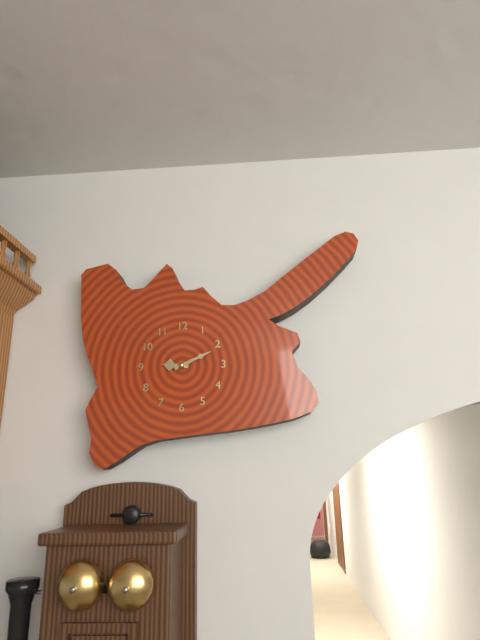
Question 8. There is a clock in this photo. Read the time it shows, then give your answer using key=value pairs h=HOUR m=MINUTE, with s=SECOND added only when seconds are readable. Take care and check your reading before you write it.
h=9 m=11
